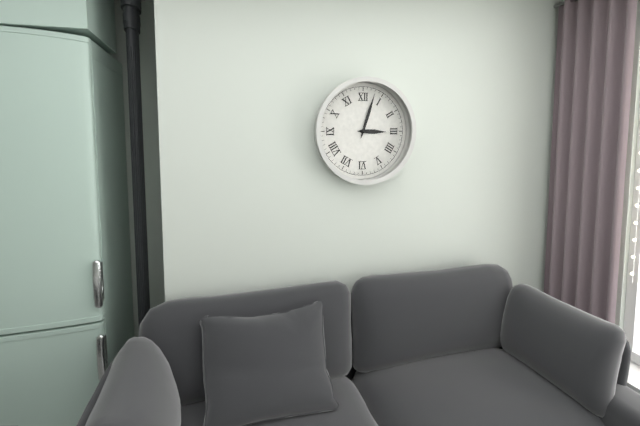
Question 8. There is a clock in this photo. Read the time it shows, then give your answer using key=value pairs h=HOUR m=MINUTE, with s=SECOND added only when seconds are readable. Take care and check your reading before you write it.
h=3 m=3
